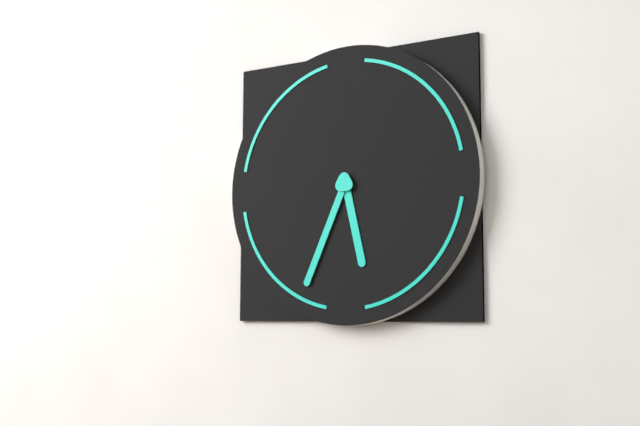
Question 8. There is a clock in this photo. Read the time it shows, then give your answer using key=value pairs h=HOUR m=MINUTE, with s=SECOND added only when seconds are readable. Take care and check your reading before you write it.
h=5 m=34
